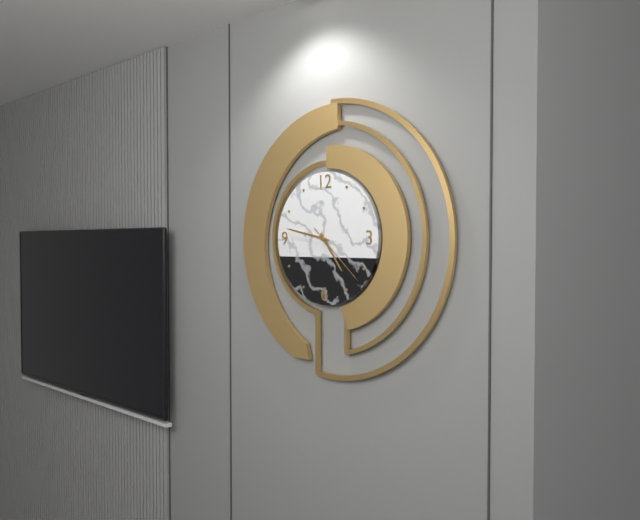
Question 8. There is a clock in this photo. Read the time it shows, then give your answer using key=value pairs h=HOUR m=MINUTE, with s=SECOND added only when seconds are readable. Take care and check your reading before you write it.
h=4 m=47 s=22
